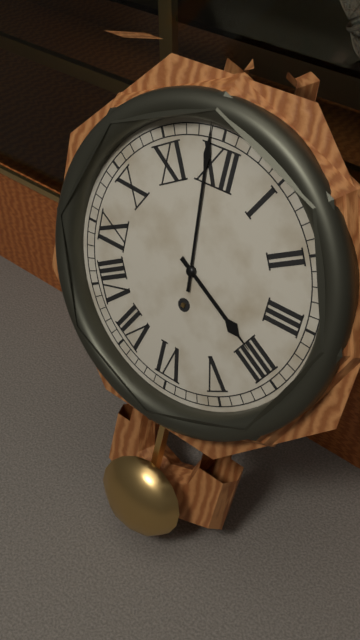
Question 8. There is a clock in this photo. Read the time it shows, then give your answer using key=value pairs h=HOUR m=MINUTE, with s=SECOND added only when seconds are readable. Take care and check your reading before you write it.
h=3 m=59
